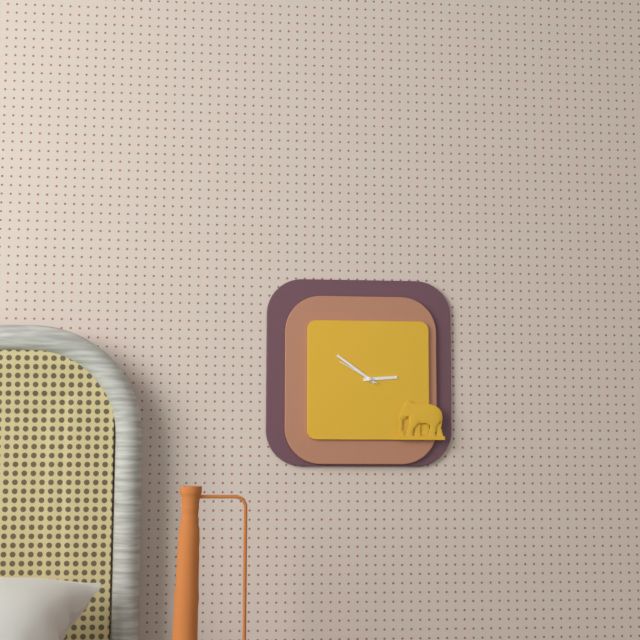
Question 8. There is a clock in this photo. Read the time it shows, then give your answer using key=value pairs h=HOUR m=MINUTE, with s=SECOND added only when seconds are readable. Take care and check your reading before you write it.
h=2 m=51
